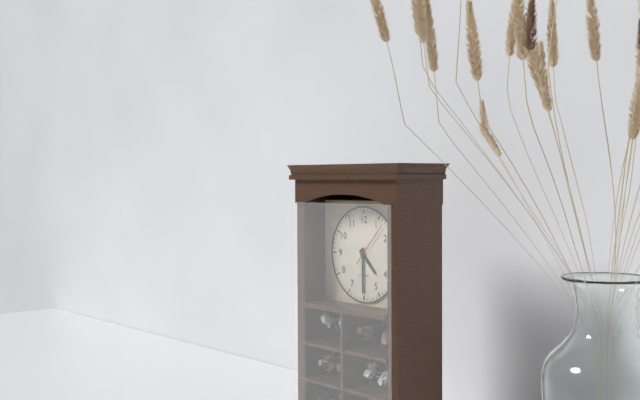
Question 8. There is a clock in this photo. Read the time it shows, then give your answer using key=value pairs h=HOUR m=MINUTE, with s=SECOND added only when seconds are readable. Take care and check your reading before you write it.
h=4 m=30
